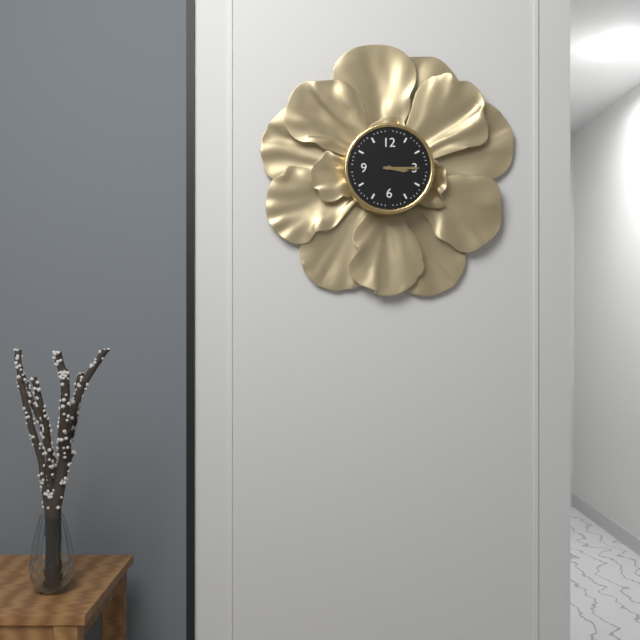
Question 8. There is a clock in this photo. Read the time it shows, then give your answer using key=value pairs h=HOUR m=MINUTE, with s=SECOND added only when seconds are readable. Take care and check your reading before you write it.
h=3 m=15
